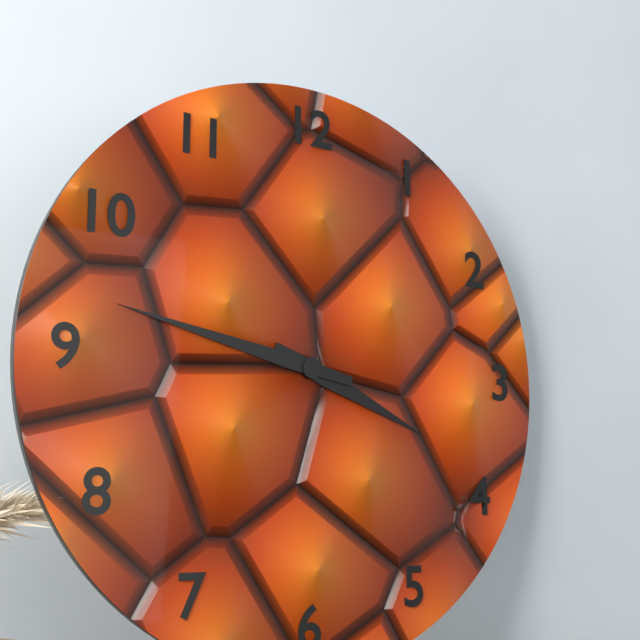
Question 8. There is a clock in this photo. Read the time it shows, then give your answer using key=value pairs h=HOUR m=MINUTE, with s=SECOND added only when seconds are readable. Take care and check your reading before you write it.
h=3 m=47
